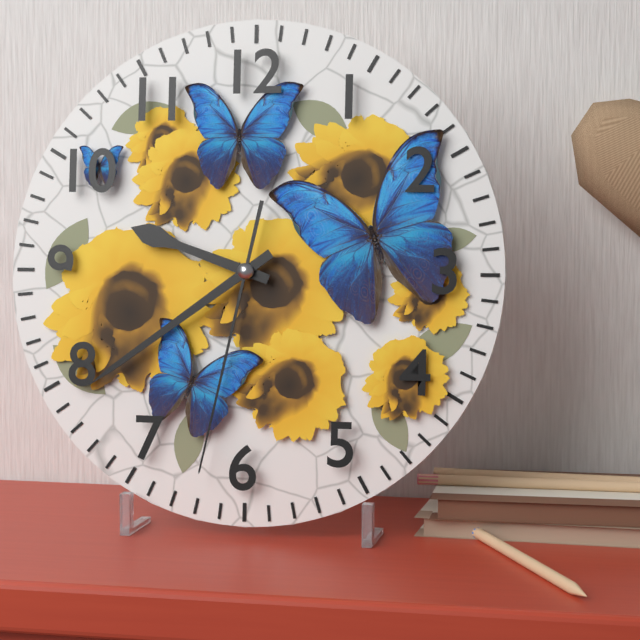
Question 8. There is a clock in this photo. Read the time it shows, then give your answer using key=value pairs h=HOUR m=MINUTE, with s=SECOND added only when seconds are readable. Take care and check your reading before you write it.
h=9 m=39 s=32
